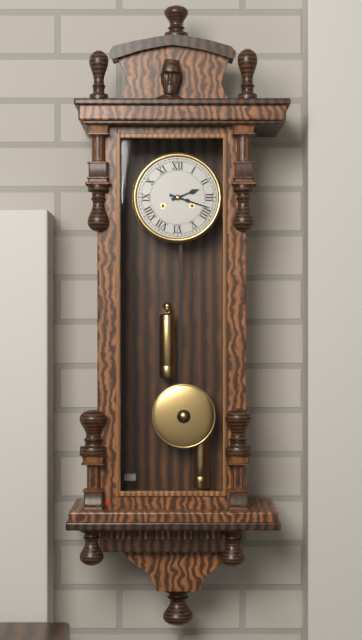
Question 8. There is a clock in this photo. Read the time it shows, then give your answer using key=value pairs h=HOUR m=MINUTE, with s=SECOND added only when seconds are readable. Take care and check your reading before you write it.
h=2 m=18
